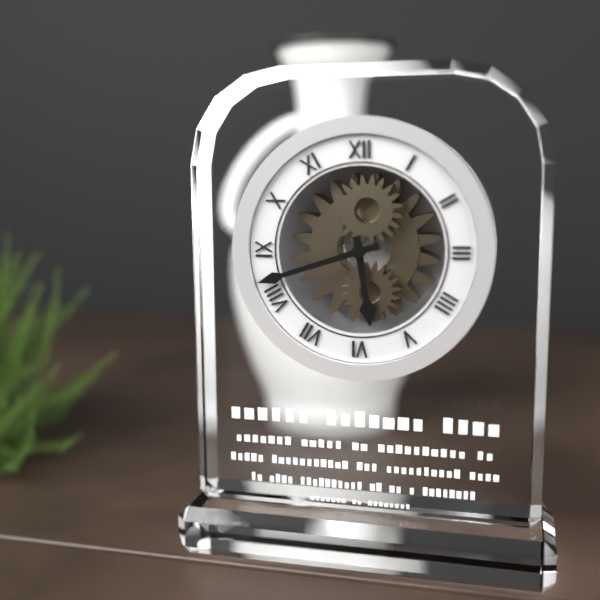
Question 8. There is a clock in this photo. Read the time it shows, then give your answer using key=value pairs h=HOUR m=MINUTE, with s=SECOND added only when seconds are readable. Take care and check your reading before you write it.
h=5 m=42
